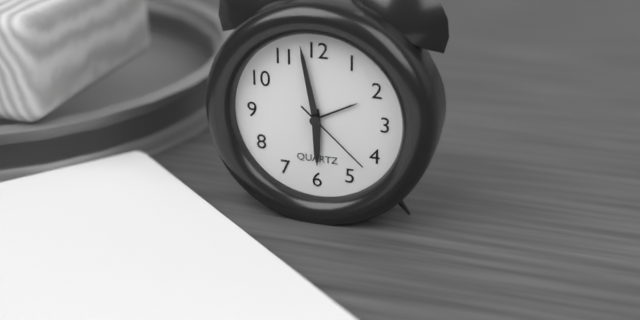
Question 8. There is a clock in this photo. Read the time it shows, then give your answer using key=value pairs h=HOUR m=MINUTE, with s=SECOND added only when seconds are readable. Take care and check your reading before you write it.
h=5 m=58 s=22
